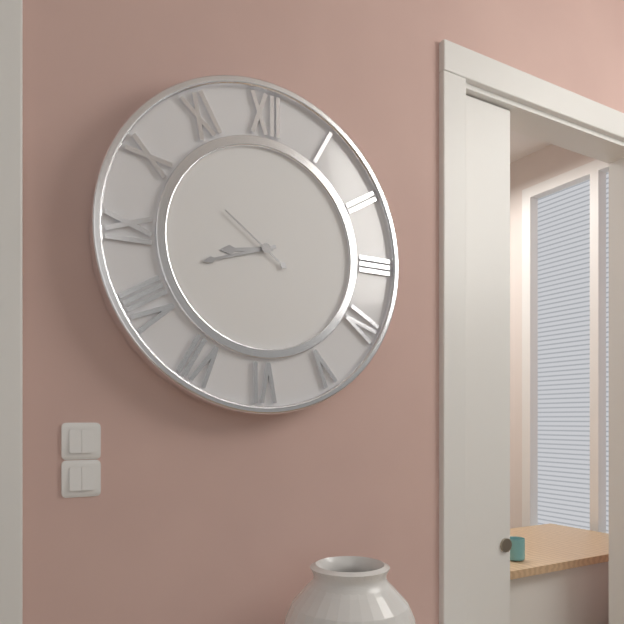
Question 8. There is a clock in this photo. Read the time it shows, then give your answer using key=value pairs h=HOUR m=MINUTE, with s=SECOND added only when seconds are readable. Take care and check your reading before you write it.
h=8 m=42 s=51
